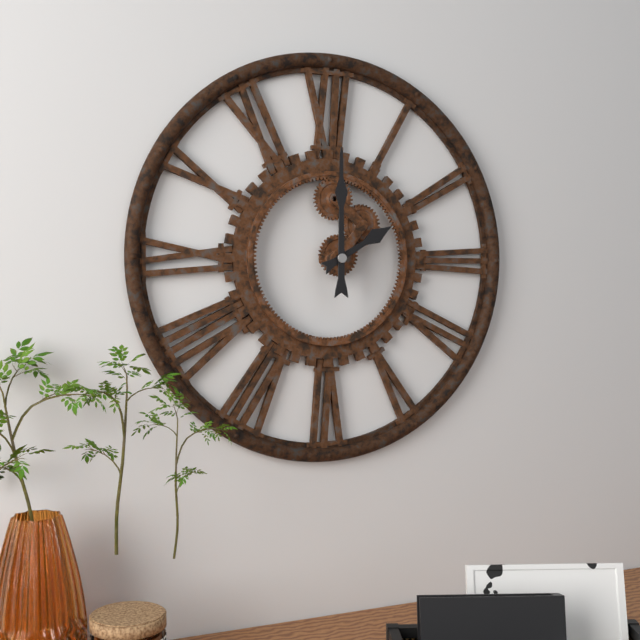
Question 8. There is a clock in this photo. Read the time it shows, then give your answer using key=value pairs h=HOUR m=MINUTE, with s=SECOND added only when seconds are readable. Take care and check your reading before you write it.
h=2 m=0
